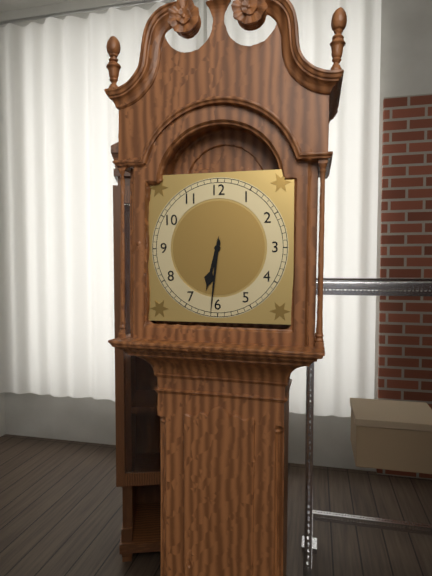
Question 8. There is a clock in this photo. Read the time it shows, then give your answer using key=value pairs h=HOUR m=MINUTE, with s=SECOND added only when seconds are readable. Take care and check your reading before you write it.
h=6 m=31
